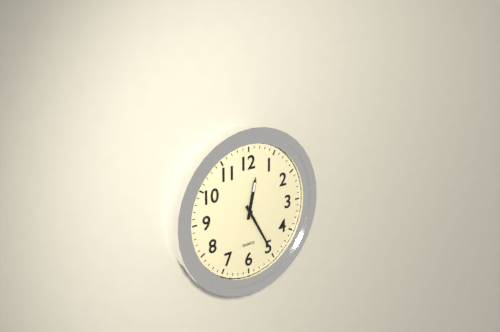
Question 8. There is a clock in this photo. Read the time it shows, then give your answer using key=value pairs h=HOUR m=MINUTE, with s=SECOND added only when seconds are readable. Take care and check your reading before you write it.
h=12 m=25
